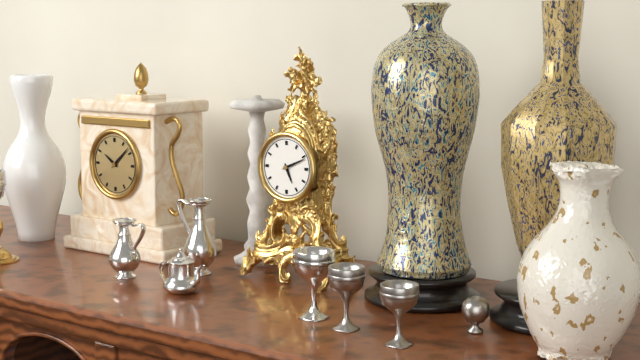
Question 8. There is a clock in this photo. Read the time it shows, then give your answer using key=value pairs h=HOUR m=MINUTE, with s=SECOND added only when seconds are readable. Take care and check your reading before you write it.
h=5 m=11
